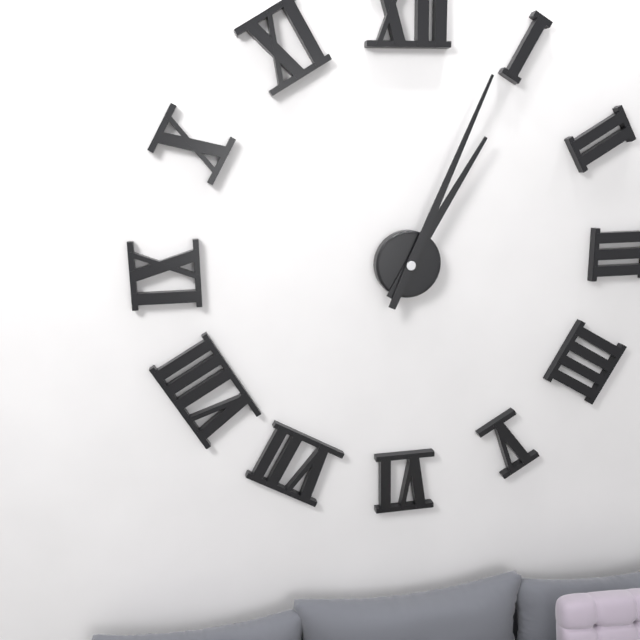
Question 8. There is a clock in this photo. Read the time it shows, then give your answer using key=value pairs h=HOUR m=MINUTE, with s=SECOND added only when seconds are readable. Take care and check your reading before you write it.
h=1 m=4
